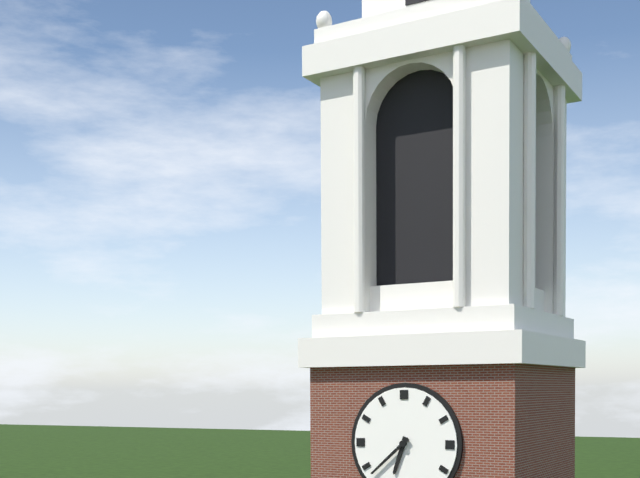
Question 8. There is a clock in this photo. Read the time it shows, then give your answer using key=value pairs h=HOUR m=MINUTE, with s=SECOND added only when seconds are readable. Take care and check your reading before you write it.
h=6 m=38
